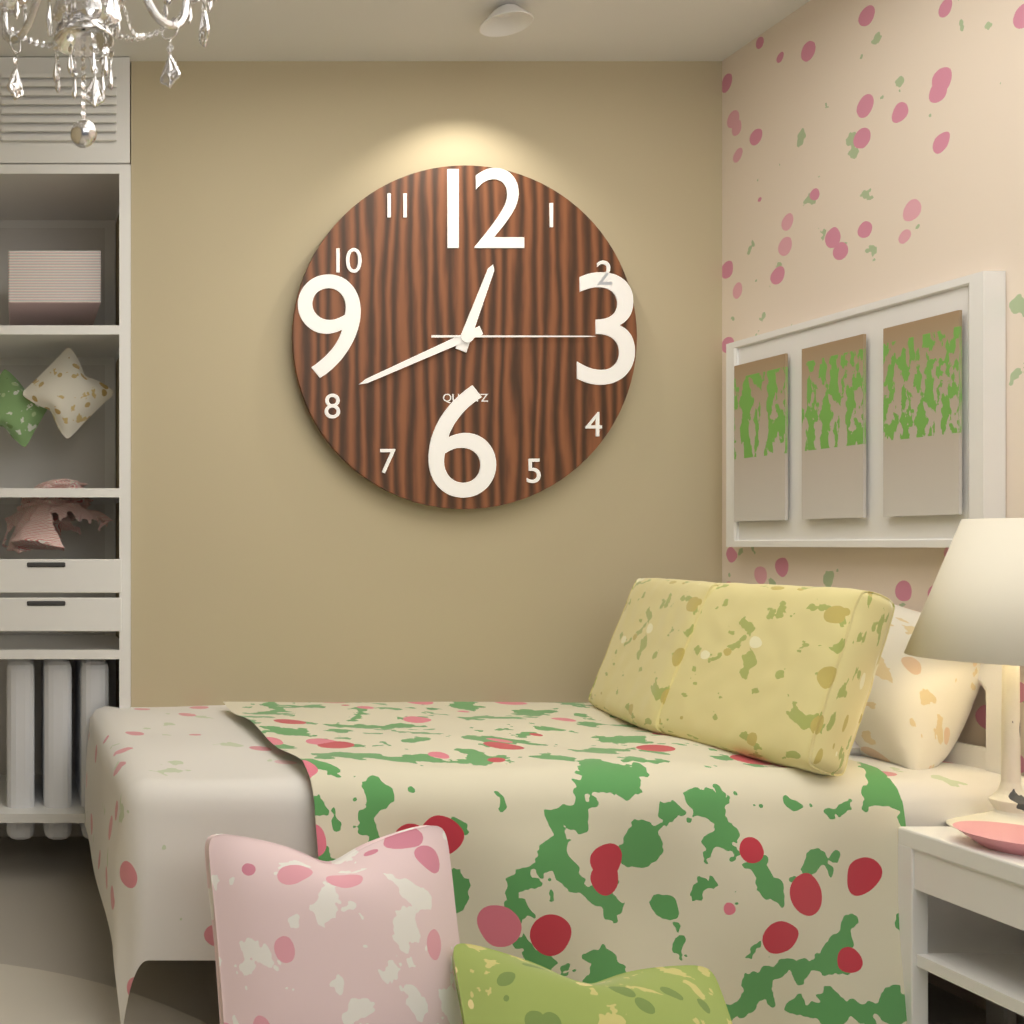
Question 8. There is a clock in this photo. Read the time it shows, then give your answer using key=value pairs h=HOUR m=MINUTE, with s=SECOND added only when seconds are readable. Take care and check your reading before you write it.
h=12 m=41 s=15
